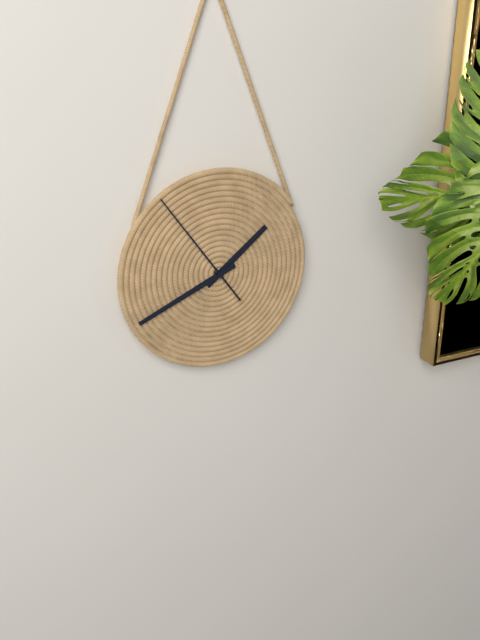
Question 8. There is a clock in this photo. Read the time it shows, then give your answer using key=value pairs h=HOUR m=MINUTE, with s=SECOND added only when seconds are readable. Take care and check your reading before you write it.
h=1 m=41 s=54
